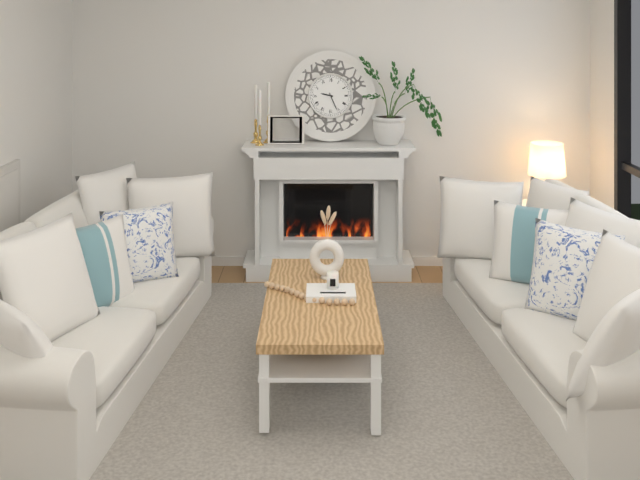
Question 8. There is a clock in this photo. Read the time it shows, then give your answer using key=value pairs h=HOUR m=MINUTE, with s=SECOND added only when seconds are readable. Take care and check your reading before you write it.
h=9 m=26
